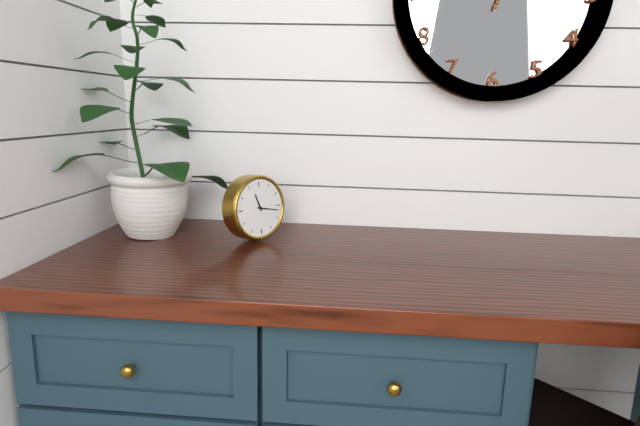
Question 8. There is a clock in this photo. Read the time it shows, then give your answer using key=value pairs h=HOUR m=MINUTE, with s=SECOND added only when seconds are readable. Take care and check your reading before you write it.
h=11 m=17
